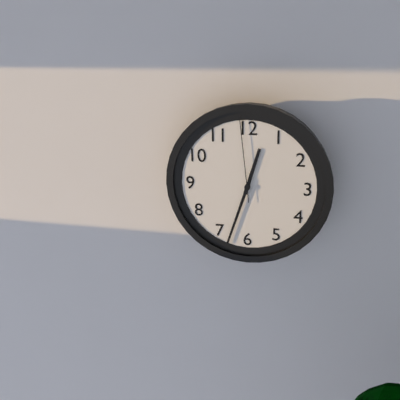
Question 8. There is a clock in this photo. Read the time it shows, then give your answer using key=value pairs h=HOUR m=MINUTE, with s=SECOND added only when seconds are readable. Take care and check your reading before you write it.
h=12 m=33 s=59
